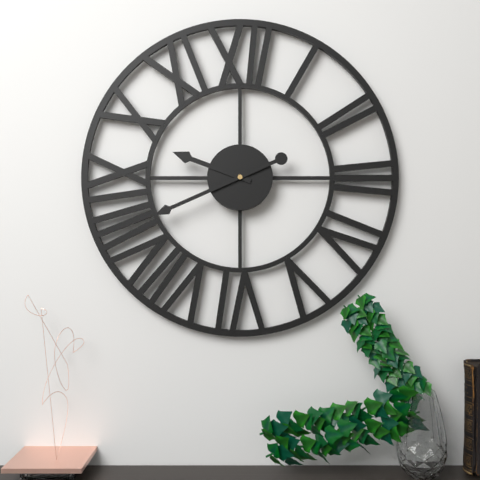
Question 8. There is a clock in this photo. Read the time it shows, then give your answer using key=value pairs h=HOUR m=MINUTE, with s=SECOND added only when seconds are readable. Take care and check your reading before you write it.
h=9 m=41
